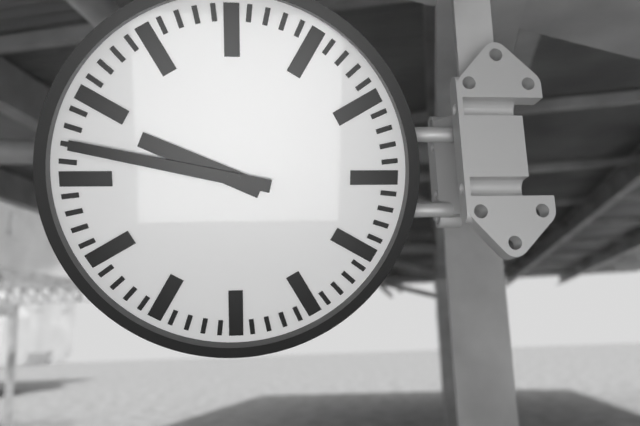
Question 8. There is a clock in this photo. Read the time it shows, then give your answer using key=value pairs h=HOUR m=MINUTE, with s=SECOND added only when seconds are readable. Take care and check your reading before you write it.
h=9 m=47
